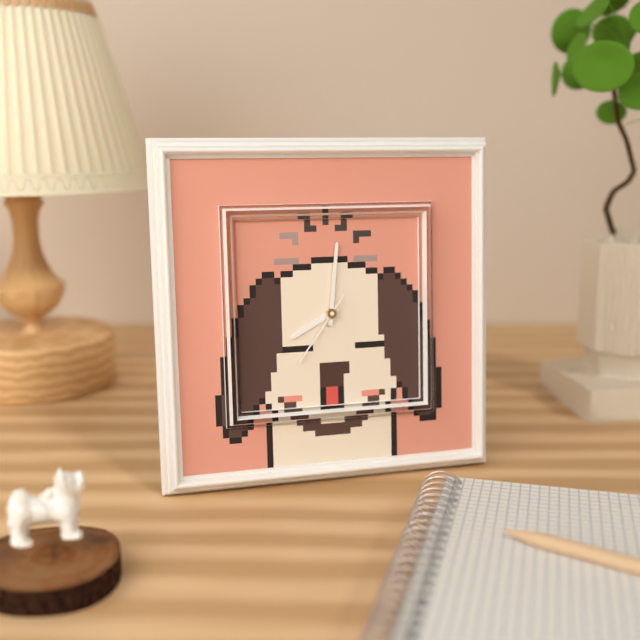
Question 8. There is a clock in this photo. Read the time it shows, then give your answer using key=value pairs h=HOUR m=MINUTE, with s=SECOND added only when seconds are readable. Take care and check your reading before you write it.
h=8 m=1 s=36
